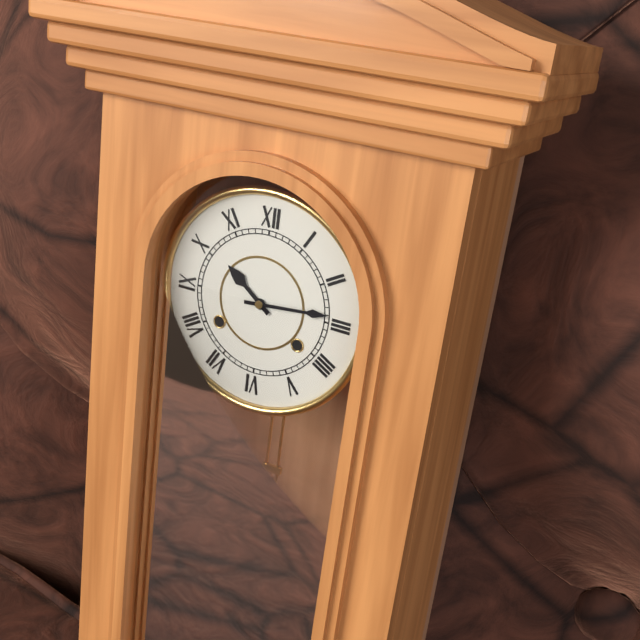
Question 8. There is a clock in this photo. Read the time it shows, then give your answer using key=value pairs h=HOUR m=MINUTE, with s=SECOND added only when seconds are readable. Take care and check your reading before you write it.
h=10 m=14
